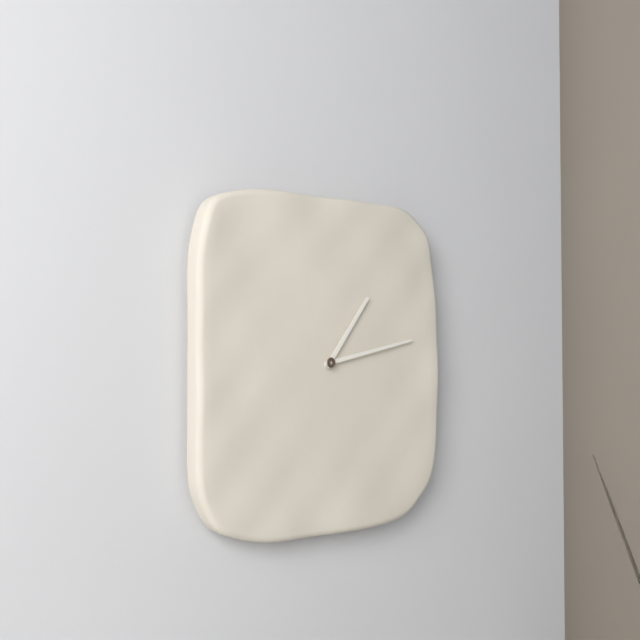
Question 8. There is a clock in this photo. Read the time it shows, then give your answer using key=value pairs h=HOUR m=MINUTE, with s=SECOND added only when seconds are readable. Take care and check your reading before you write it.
h=1 m=13
